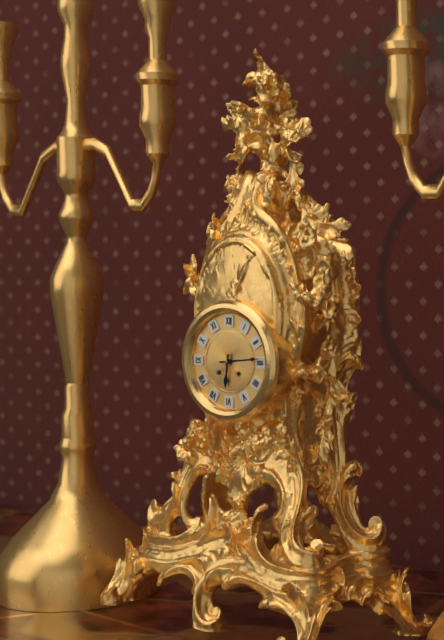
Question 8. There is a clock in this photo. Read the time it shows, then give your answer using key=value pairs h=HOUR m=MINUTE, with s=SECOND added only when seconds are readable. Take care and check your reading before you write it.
h=6 m=14
